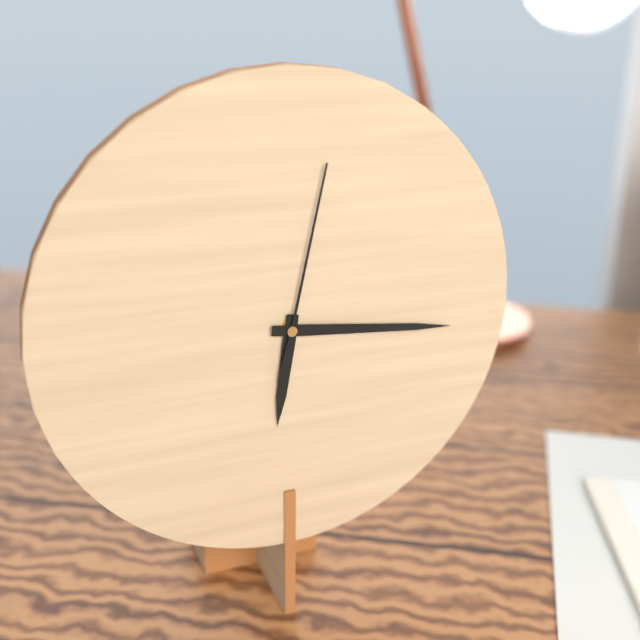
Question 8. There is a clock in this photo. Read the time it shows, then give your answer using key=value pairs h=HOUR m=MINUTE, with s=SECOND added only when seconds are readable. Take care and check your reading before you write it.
h=6 m=16 s=2
